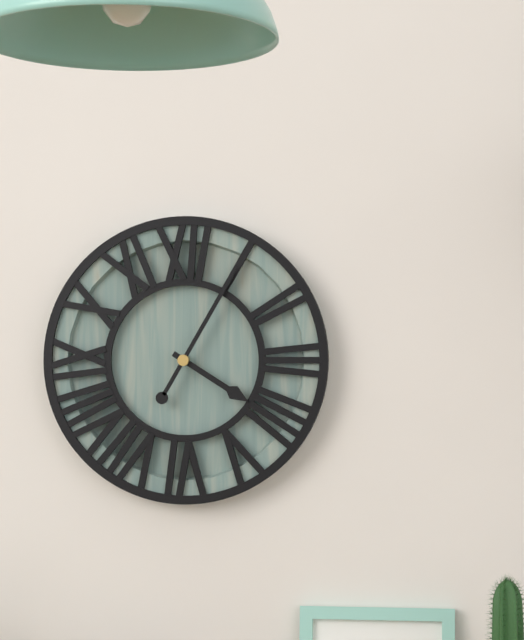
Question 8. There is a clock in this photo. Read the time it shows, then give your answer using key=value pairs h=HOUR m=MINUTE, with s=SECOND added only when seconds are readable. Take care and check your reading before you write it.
h=4 m=5
